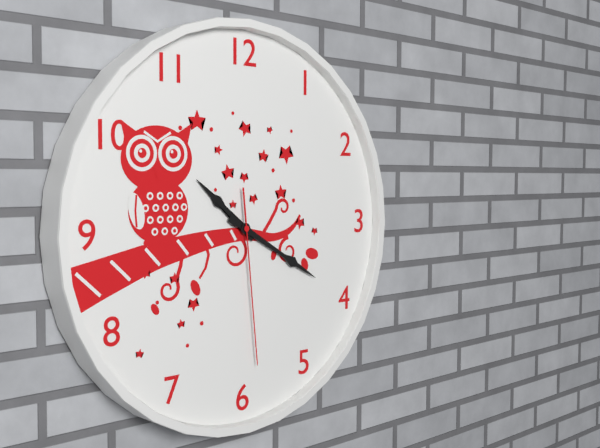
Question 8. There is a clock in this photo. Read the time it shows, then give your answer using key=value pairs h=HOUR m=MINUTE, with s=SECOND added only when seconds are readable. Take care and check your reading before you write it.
h=10 m=20 s=29
